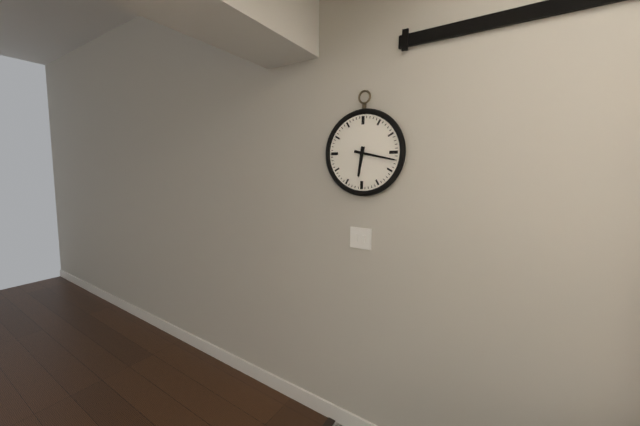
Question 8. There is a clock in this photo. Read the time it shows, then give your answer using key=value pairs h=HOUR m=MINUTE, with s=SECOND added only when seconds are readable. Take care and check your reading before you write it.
h=6 m=17
